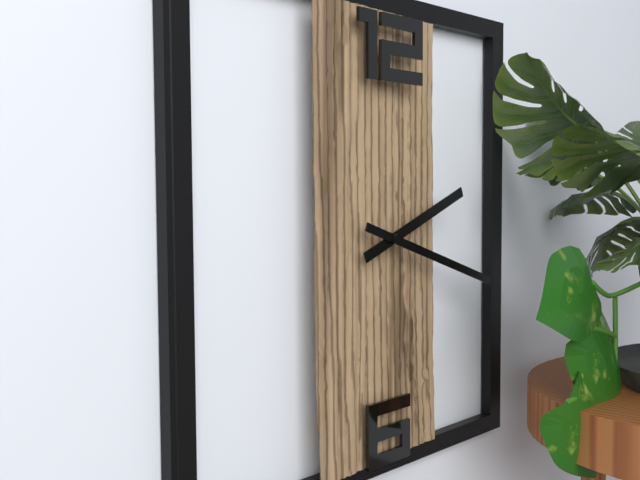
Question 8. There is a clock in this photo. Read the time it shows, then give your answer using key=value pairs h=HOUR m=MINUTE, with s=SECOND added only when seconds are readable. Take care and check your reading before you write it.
h=2 m=18
